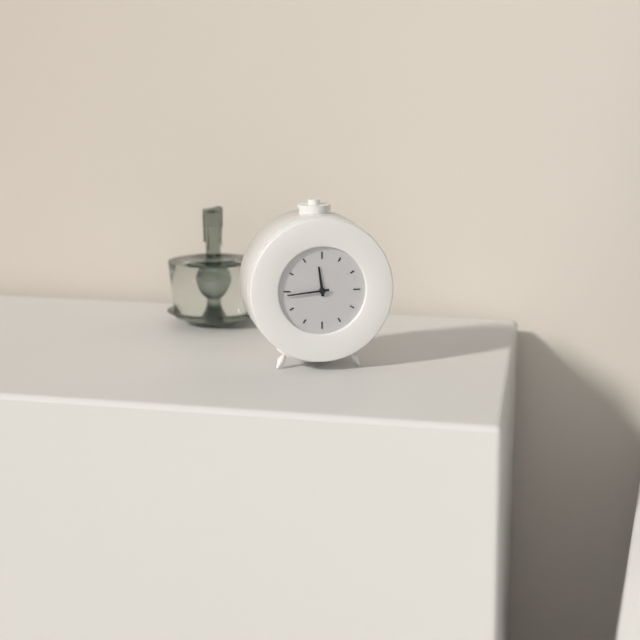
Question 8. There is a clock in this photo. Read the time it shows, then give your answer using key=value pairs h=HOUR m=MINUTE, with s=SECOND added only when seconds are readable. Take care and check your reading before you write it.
h=11 m=44
